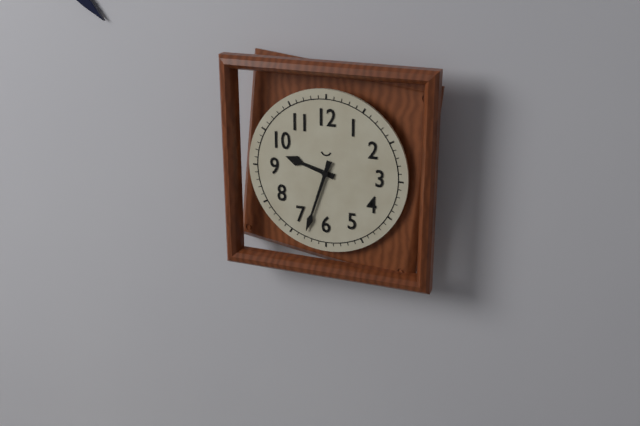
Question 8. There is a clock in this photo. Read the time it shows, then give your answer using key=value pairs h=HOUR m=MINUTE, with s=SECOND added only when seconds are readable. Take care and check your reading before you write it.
h=9 m=33
